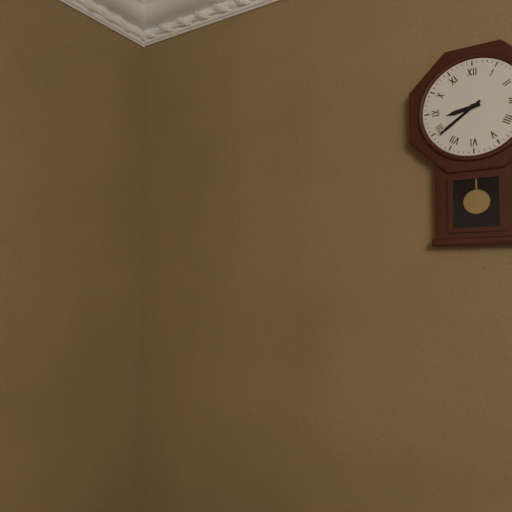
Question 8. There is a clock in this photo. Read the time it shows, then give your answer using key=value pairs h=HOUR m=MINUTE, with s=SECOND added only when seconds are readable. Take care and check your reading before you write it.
h=8 m=39
